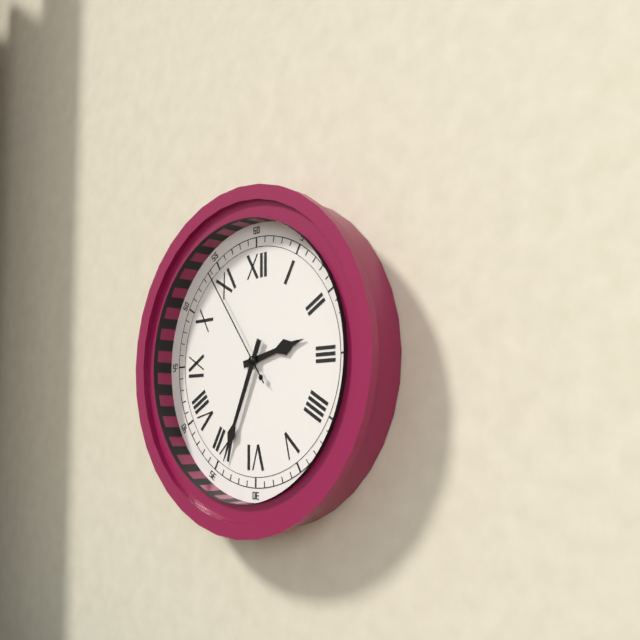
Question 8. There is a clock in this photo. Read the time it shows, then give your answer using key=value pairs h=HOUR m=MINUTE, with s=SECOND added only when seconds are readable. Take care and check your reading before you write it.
h=2 m=34 s=54
